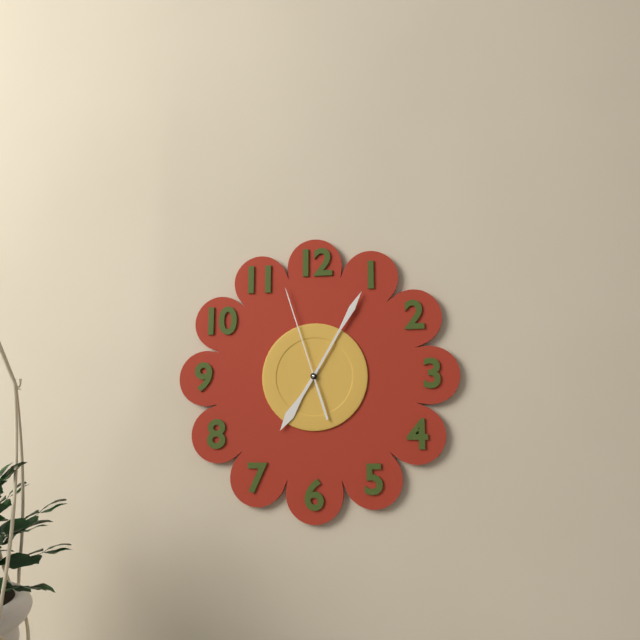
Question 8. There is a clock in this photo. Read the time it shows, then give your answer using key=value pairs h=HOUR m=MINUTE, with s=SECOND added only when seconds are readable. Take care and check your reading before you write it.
h=7 m=5 s=57
